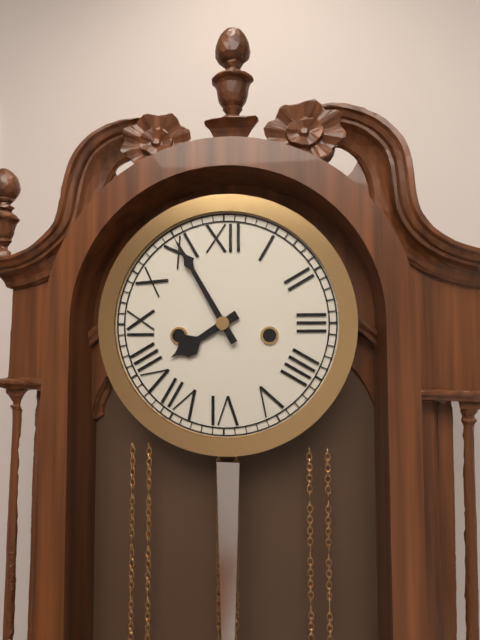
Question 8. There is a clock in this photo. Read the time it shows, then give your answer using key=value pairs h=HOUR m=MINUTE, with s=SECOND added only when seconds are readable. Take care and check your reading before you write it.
h=7 m=55
